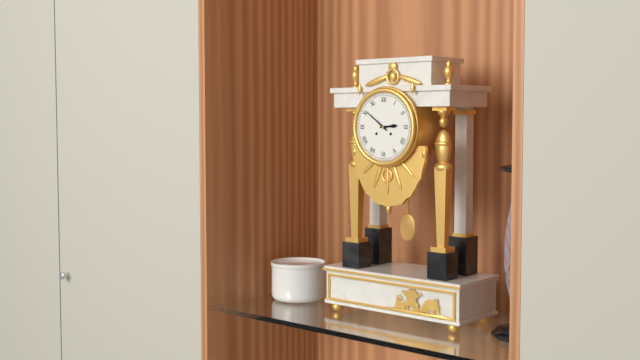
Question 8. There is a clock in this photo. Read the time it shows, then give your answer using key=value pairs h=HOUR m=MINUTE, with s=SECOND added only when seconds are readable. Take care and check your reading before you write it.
h=2 m=51
